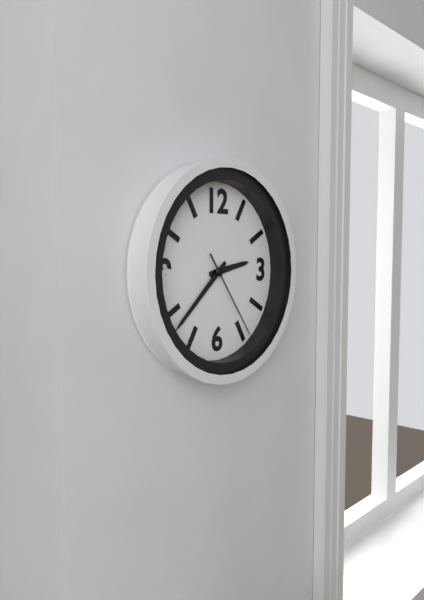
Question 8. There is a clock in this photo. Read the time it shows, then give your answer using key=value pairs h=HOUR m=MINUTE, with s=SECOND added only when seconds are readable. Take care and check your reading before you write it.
h=2 m=38 s=24
